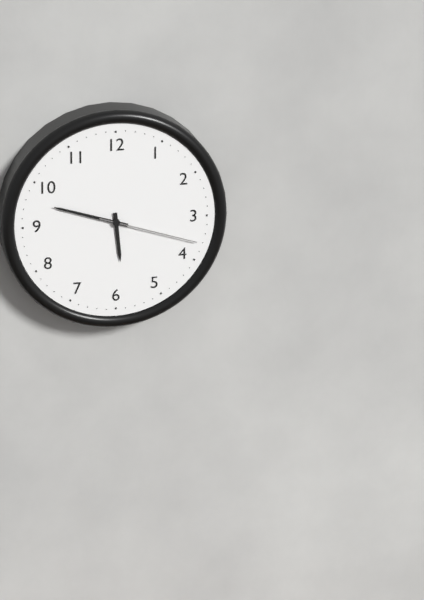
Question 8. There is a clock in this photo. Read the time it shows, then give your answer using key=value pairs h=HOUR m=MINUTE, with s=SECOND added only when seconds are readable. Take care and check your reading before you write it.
h=5 m=48 s=18
